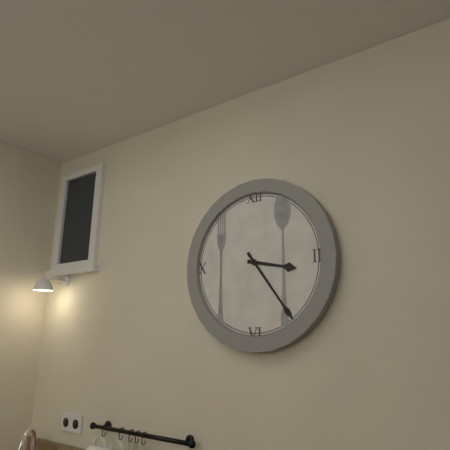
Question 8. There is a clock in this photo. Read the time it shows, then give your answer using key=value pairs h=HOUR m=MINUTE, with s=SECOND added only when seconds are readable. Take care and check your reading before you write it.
h=3 m=24
